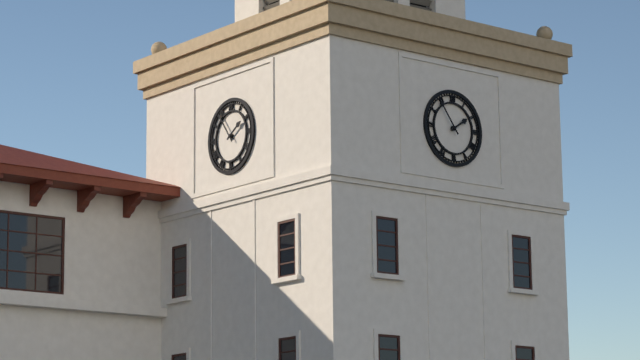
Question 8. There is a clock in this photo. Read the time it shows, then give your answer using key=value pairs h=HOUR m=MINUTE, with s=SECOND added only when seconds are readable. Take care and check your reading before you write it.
h=1 m=54
